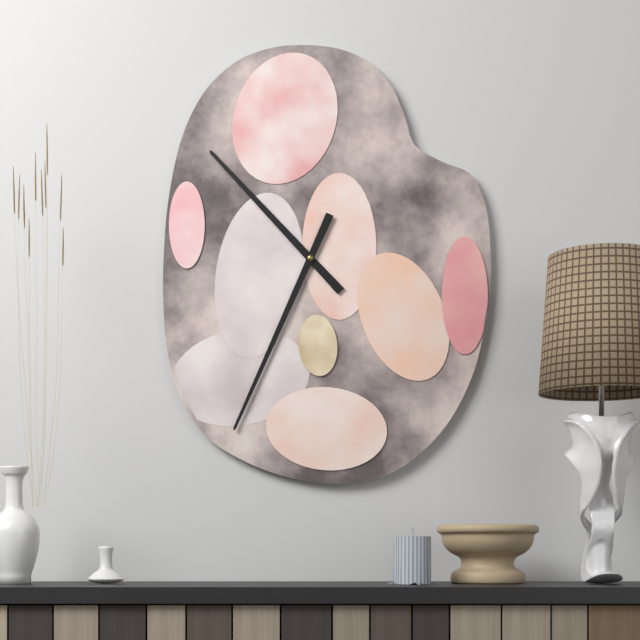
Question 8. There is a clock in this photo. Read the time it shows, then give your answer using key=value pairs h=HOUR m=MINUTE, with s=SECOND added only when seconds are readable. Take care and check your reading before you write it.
h=10 m=34
